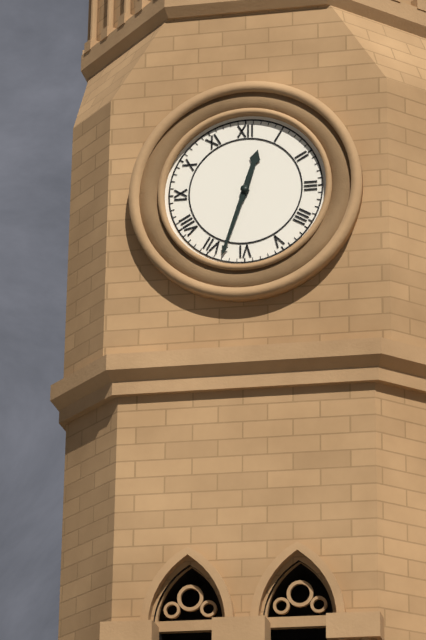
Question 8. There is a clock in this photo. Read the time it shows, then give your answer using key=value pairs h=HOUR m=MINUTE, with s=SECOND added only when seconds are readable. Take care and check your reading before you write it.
h=12 m=33
